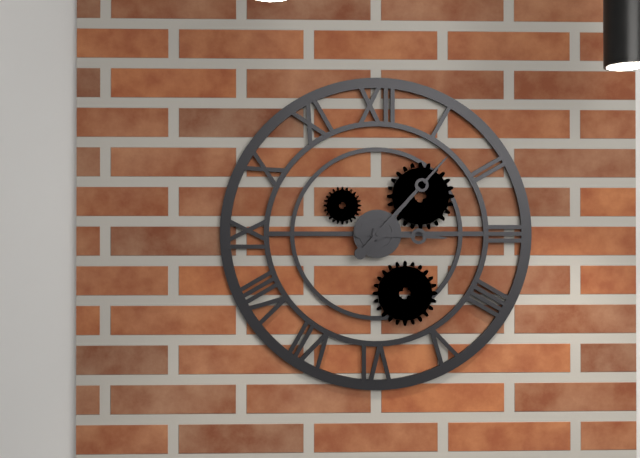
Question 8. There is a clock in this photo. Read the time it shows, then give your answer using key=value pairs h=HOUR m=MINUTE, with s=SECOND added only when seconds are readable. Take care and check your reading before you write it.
h=3 m=7
